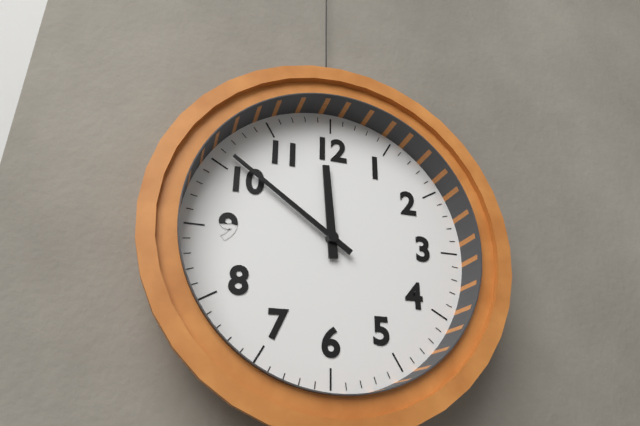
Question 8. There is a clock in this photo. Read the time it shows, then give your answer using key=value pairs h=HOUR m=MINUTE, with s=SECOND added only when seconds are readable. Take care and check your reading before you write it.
h=11 m=51
